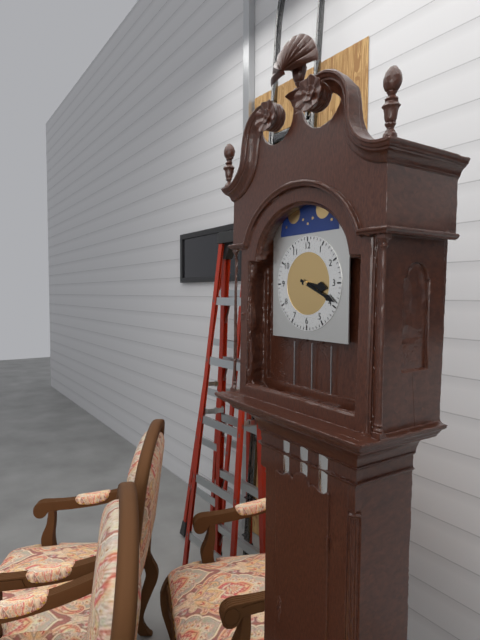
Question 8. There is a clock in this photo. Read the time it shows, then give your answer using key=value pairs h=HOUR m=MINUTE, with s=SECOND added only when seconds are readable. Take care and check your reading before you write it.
h=3 m=19
